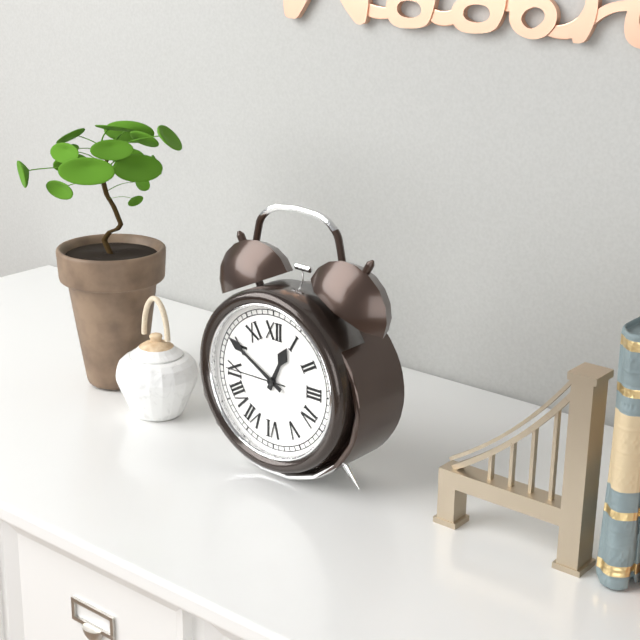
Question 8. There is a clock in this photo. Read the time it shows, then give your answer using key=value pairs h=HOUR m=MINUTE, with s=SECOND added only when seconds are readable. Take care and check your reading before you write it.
h=12 m=50 s=45
